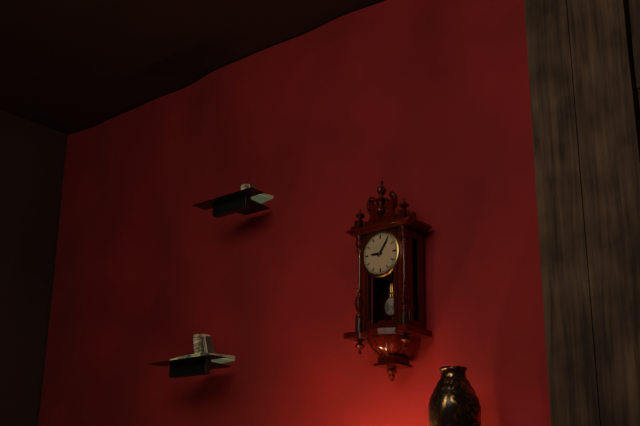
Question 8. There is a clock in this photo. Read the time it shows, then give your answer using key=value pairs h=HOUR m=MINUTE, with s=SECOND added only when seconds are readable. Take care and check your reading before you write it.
h=9 m=6
